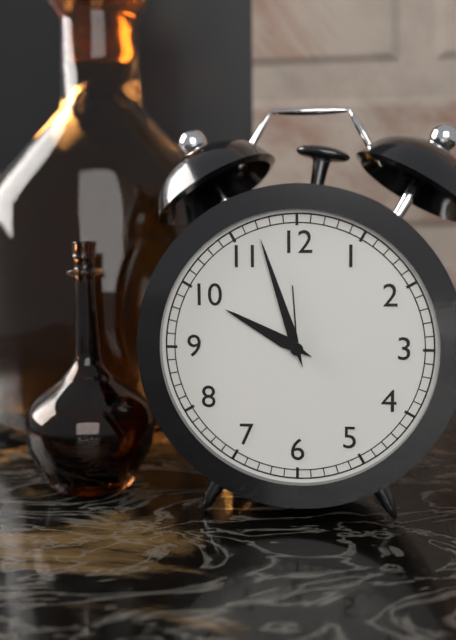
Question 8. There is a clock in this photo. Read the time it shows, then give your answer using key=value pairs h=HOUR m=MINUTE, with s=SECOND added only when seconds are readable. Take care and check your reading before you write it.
h=9 m=57
